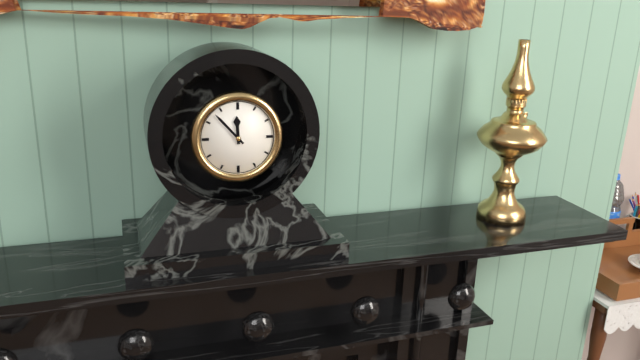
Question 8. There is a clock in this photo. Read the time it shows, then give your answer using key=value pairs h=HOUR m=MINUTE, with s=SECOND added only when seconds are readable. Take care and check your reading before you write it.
h=11 m=53
